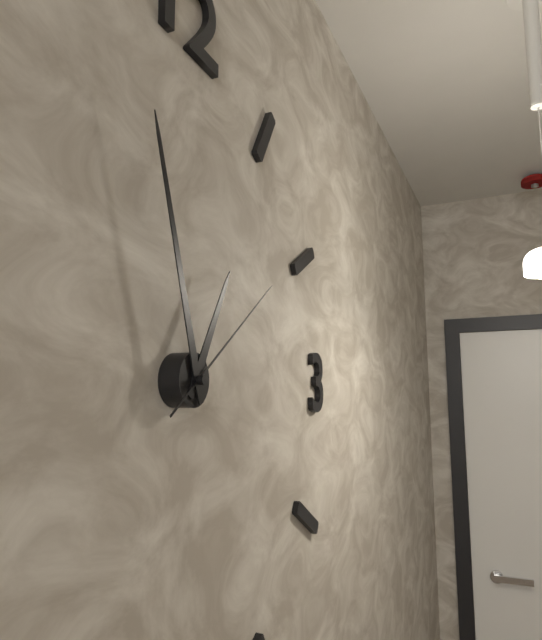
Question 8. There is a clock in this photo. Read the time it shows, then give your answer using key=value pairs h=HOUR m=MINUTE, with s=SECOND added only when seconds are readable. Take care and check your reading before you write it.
h=12 m=57 s=9
